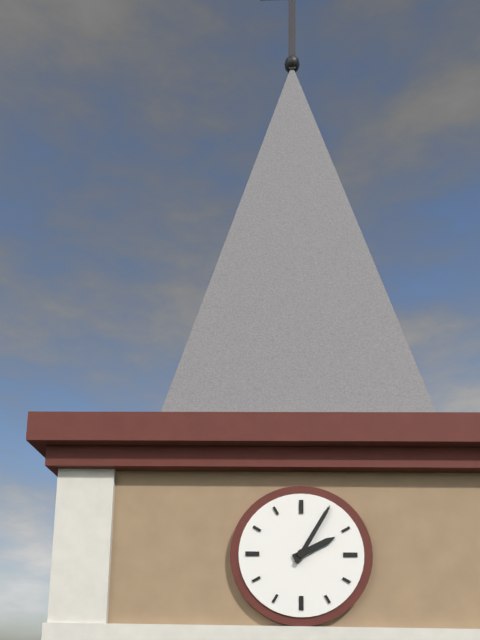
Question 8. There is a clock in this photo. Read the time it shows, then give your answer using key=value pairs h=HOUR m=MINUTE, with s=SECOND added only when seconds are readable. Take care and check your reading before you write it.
h=2 m=5
